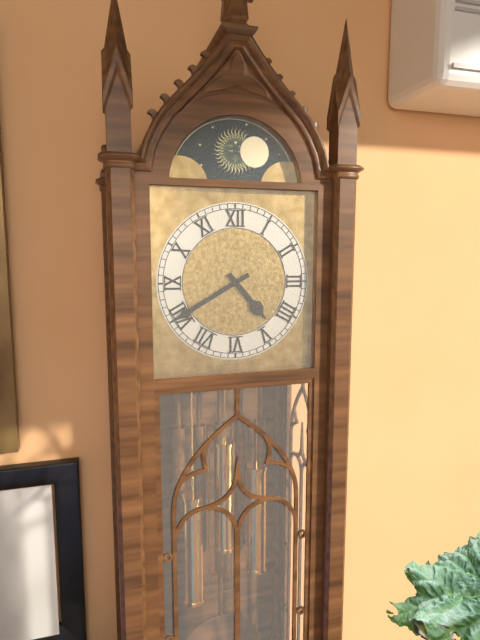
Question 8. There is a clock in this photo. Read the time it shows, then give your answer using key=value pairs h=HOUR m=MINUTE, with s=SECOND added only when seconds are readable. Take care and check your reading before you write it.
h=4 m=40
